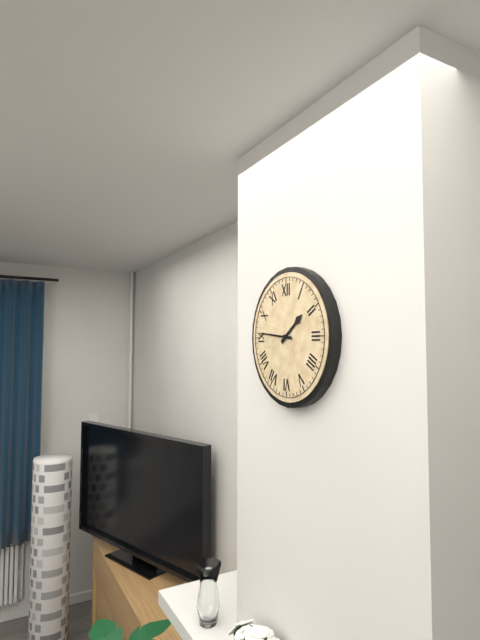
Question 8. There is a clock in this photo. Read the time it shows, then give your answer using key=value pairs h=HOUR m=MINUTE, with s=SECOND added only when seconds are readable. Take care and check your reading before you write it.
h=1 m=46
